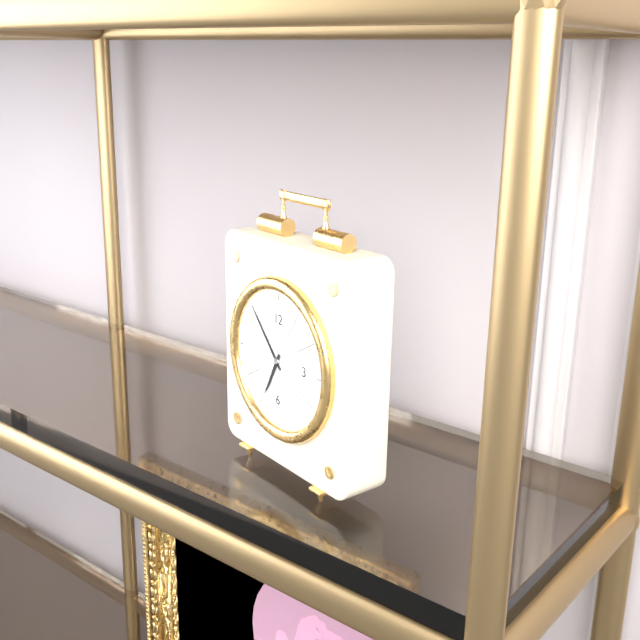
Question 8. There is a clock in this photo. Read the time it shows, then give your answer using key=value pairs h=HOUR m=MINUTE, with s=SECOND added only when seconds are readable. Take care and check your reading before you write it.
h=6 m=53
